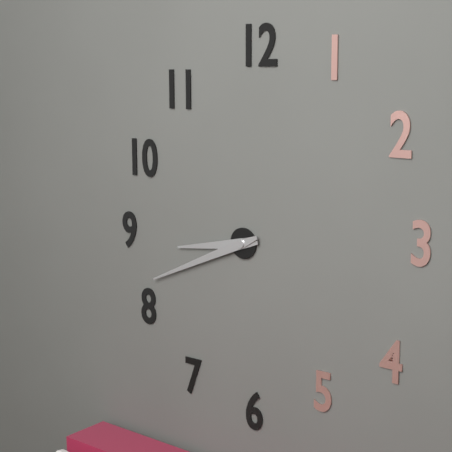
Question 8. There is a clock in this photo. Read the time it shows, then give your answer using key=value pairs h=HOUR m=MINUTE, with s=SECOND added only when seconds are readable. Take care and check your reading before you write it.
h=8 m=41
